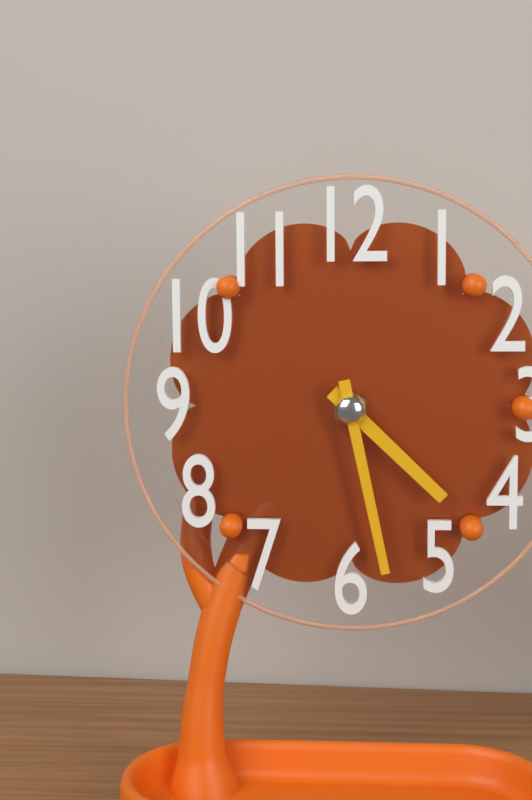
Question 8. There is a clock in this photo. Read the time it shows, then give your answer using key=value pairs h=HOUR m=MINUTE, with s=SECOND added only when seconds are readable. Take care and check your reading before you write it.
h=4 m=28
